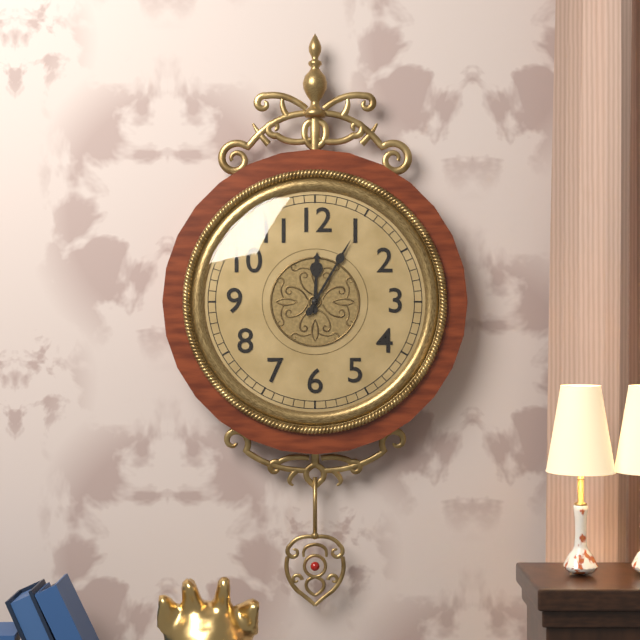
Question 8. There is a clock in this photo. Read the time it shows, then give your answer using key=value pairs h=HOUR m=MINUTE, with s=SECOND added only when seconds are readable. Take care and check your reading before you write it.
h=12 m=5
